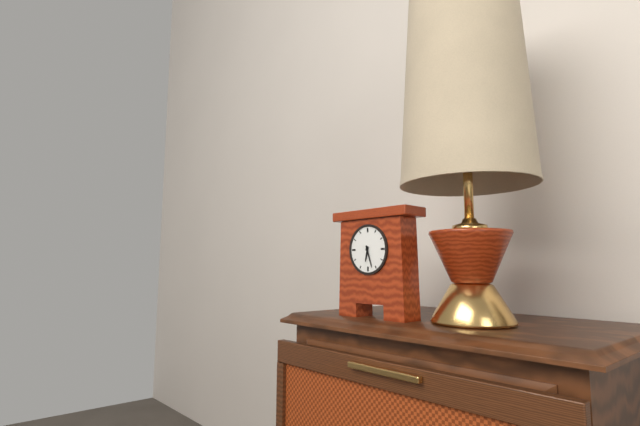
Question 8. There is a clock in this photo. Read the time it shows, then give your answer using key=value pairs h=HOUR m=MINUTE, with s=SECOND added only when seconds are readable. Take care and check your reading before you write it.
h=6 m=27
